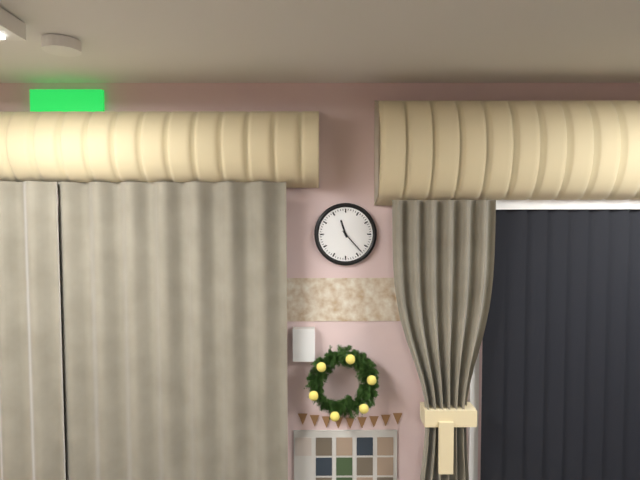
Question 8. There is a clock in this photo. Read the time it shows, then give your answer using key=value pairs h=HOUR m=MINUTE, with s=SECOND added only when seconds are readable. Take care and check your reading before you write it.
h=11 m=23
